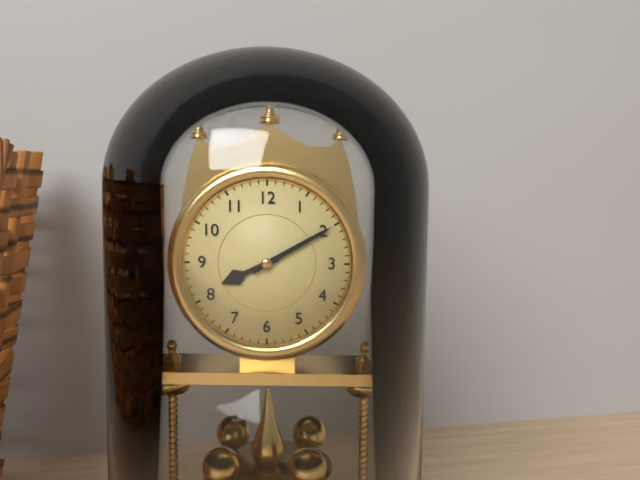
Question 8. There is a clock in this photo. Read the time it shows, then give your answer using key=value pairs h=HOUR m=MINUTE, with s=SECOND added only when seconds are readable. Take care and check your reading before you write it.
h=8 m=10
